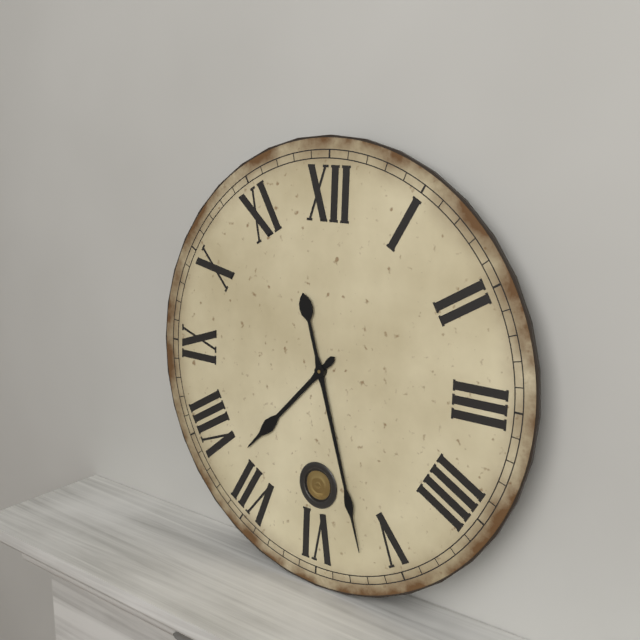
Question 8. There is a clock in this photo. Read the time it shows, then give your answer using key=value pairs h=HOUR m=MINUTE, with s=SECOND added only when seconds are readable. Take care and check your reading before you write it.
h=7 m=27
